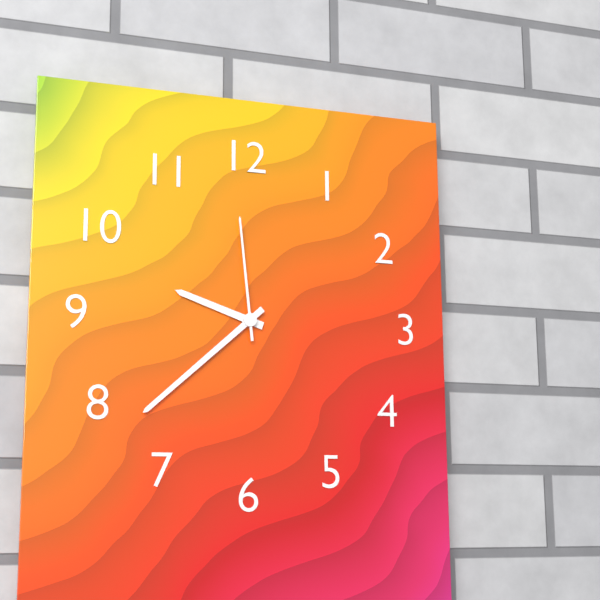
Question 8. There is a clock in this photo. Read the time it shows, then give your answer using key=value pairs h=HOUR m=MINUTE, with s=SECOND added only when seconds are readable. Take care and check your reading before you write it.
h=9 m=38 s=59
